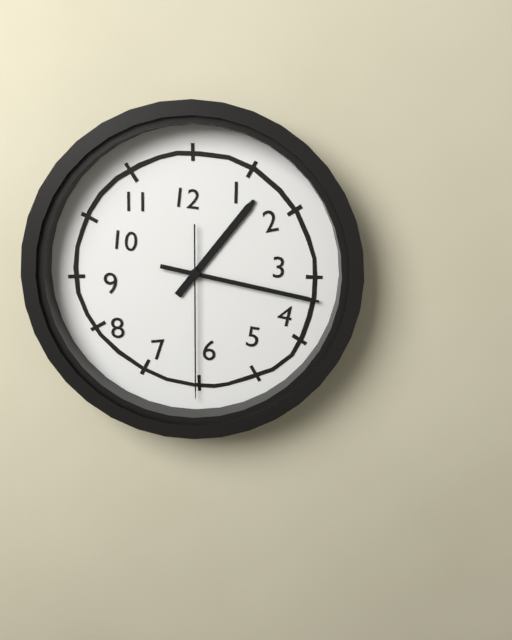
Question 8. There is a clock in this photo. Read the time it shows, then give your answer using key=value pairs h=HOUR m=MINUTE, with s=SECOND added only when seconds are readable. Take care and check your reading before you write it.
h=1 m=17 s=30
